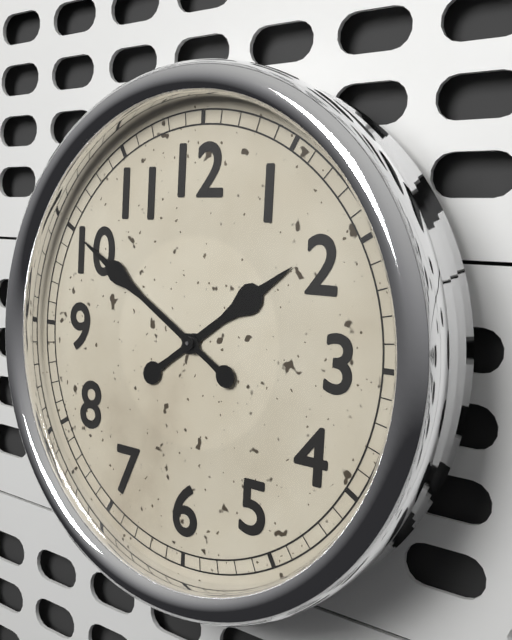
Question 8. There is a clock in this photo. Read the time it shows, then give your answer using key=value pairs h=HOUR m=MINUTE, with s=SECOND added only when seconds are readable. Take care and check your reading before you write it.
h=1 m=50
